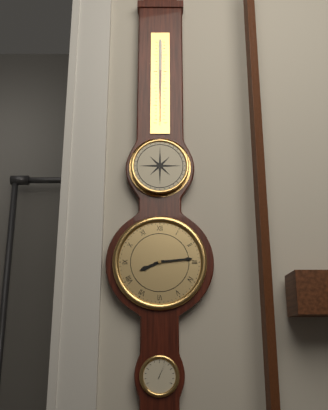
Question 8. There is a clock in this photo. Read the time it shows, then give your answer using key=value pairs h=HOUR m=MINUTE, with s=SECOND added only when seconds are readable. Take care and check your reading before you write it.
h=8 m=14
